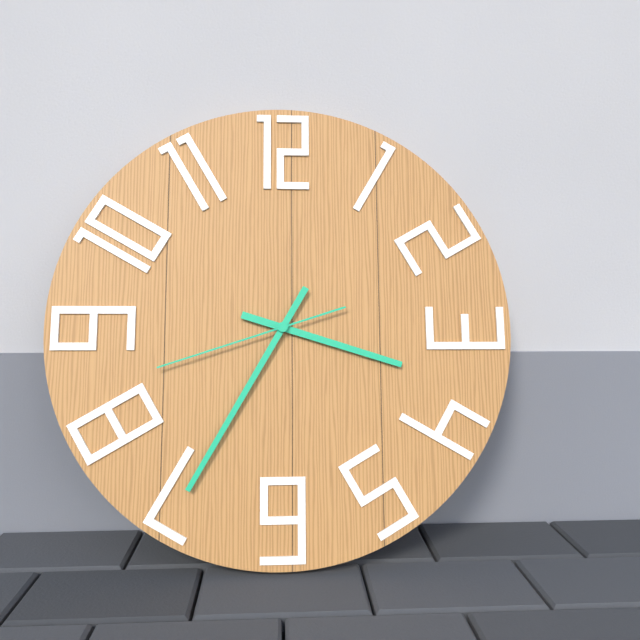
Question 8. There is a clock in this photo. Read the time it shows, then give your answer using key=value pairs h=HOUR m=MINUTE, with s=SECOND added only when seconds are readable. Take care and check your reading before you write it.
h=3 m=35 s=42
